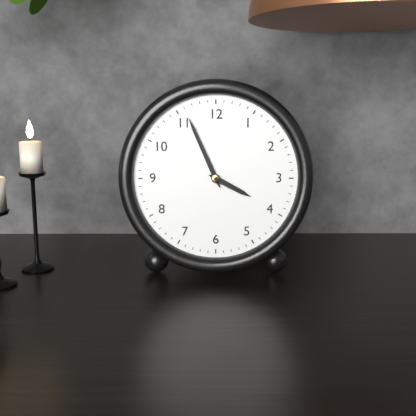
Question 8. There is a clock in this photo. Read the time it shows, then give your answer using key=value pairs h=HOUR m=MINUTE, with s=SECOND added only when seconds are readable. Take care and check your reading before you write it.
h=3 m=56
